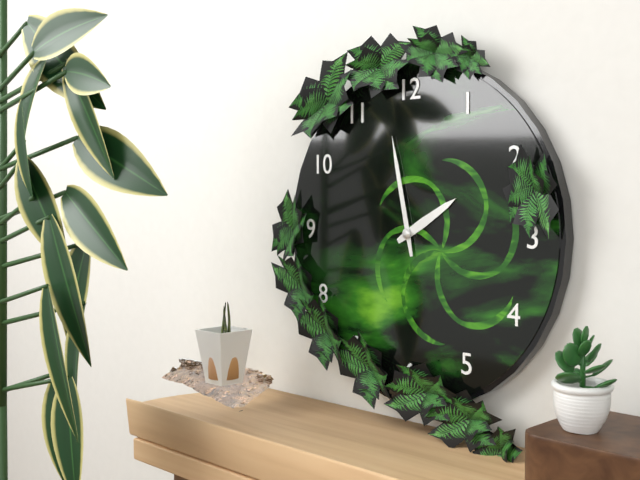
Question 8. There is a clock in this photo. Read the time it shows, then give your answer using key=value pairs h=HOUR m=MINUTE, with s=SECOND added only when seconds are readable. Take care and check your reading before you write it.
h=1 m=58
